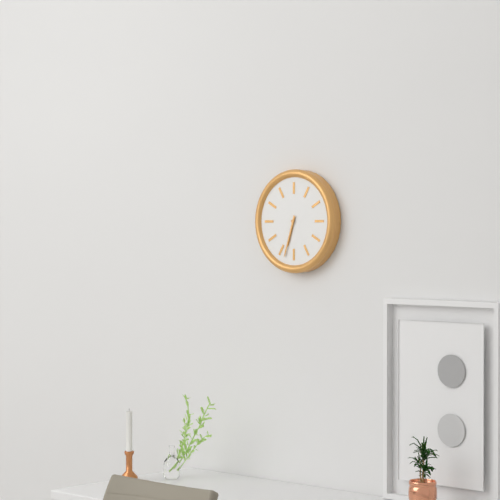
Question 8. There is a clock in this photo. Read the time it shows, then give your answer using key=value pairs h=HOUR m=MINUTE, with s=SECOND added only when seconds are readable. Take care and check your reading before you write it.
h=6 m=33
